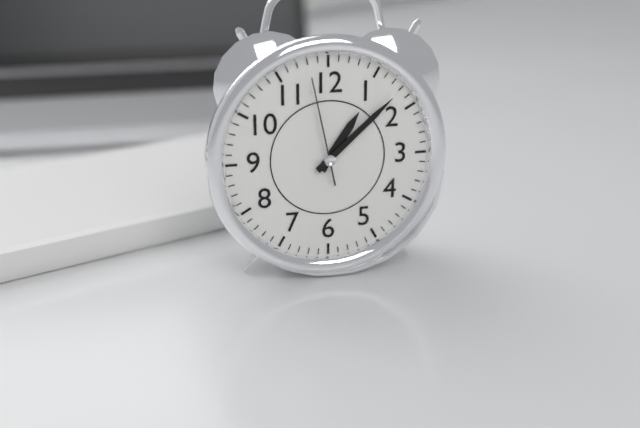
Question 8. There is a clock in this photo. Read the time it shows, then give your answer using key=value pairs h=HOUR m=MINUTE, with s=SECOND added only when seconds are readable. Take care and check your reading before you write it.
h=1 m=8 s=58
